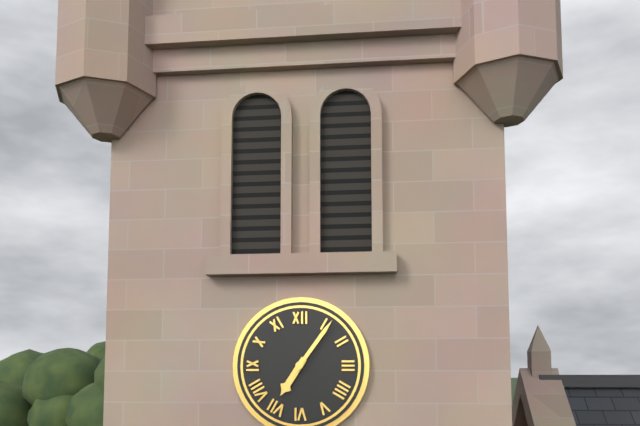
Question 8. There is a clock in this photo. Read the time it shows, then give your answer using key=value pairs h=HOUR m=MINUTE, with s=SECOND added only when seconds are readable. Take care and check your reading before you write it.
h=7 m=6
